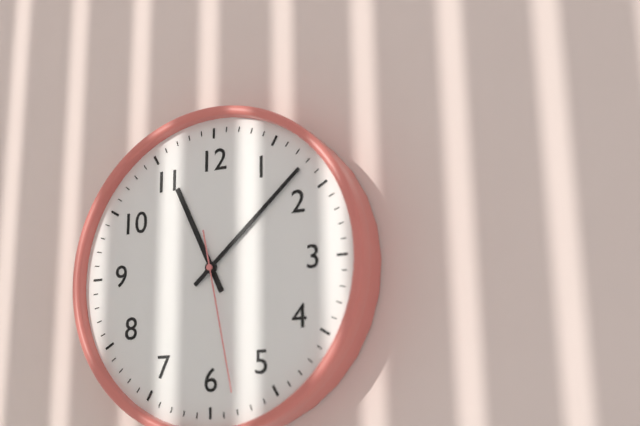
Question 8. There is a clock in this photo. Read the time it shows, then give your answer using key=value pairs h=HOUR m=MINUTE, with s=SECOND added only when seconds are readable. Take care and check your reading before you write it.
h=11 m=8 s=28
